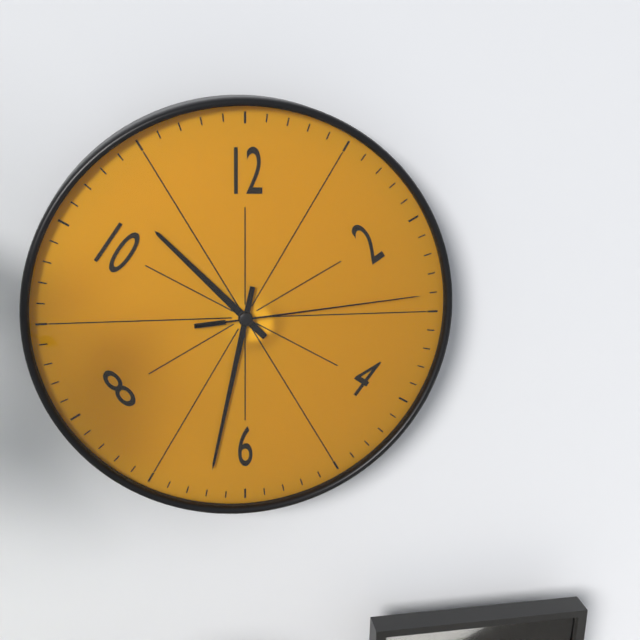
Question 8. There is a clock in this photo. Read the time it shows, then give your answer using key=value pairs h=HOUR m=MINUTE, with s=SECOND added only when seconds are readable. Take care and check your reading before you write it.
h=10 m=32 s=14
